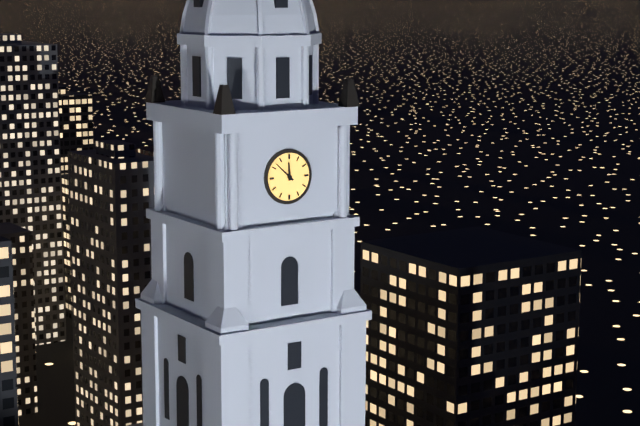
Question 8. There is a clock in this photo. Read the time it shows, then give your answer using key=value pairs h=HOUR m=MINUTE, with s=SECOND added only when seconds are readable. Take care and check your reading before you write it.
h=11 m=52
